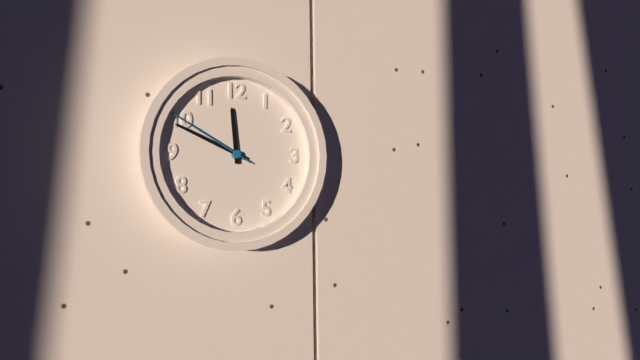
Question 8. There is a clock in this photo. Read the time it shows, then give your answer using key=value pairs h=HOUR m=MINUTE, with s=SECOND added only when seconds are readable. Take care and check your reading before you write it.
h=11 m=49 s=50
